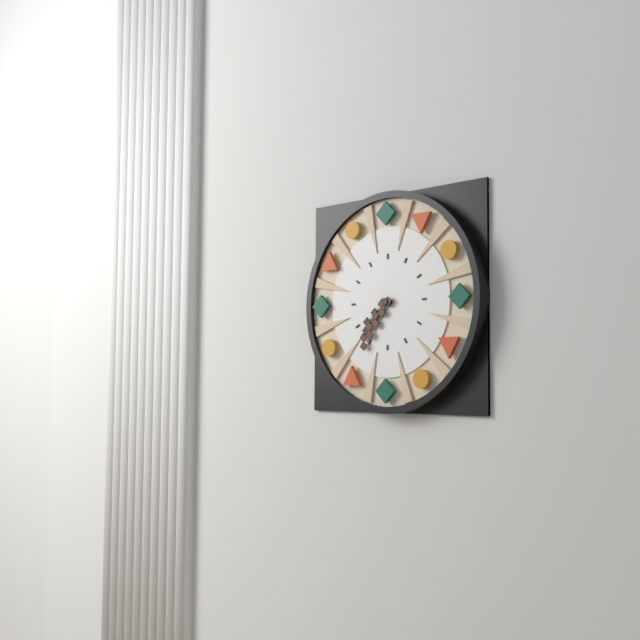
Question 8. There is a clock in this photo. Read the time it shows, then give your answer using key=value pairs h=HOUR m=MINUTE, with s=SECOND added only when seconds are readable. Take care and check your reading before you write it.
h=7 m=36
